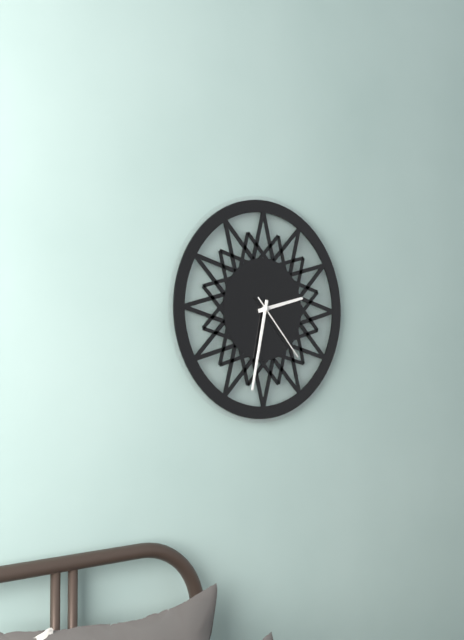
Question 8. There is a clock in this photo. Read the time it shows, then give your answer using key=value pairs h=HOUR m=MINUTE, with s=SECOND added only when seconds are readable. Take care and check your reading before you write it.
h=2 m=32 s=23
